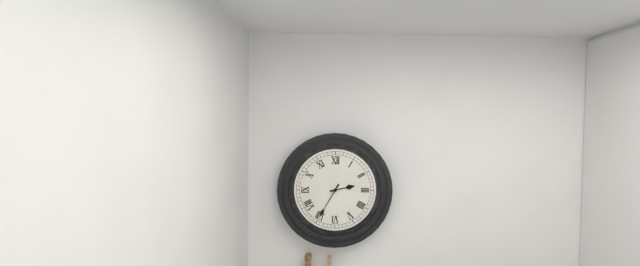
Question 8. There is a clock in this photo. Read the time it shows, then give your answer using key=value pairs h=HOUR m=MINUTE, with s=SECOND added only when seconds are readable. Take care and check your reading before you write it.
h=2 m=35
